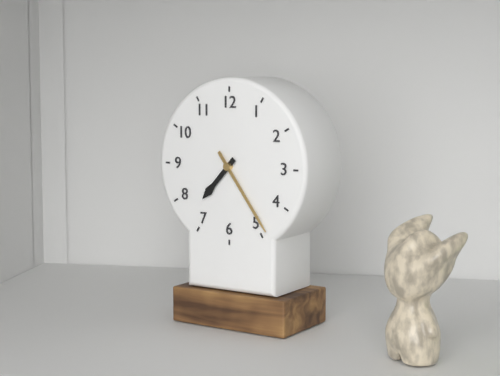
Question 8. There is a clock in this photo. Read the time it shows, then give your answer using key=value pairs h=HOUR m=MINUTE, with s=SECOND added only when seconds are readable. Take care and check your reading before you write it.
h=7 m=24
